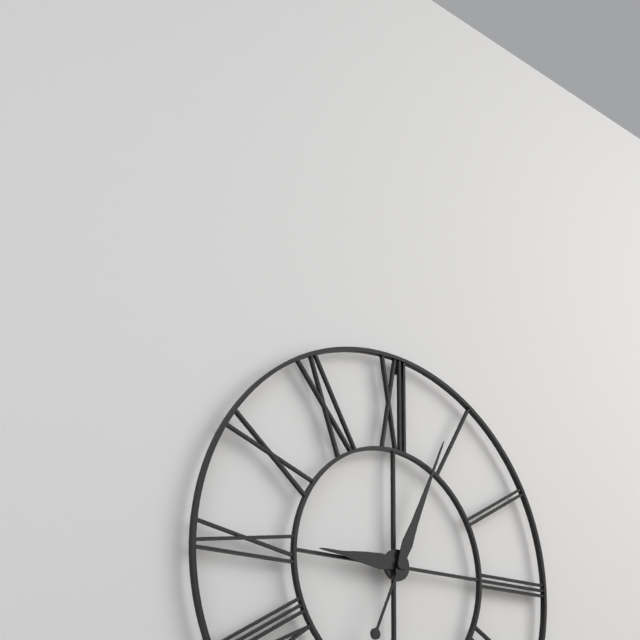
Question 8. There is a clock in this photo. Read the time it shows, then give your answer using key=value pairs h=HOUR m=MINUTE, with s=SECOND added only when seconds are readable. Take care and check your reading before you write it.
h=9 m=4
